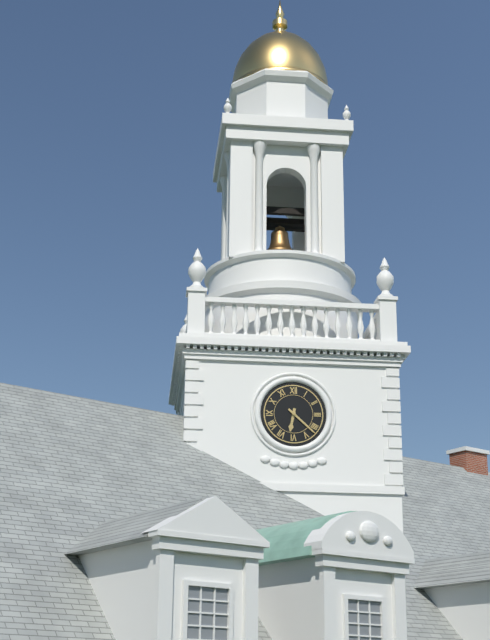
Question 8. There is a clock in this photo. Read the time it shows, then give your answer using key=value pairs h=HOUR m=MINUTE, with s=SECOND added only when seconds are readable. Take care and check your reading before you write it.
h=6 m=22
